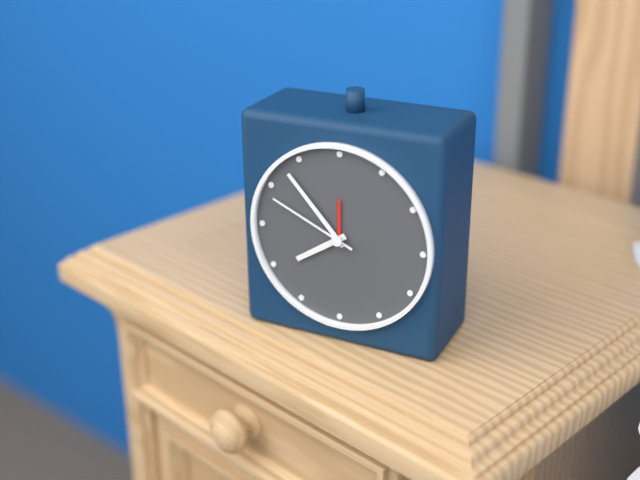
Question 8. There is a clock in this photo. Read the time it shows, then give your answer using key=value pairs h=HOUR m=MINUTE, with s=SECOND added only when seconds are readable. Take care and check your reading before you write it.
h=7 m=53 s=49
